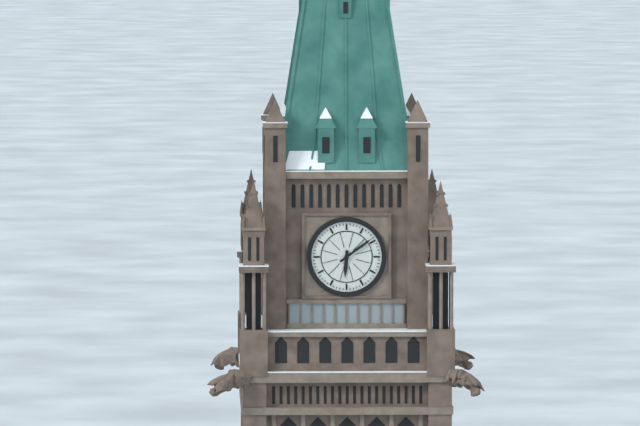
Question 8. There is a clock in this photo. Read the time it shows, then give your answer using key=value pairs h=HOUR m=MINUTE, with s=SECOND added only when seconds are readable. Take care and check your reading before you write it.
h=6 m=9
